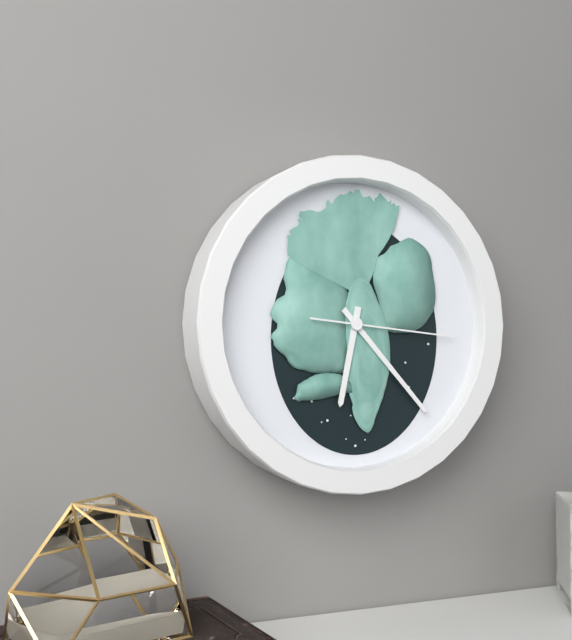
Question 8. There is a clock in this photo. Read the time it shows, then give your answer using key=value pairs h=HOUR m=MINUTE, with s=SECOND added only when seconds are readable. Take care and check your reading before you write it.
h=6 m=23 s=16
